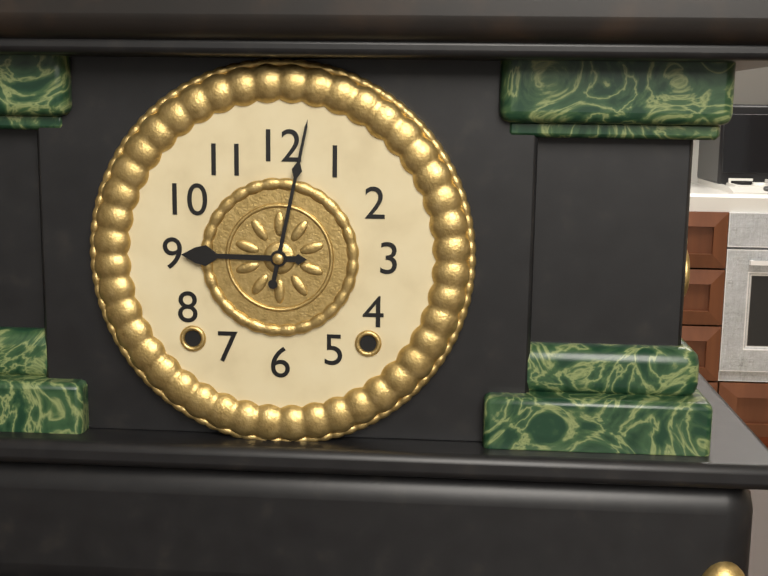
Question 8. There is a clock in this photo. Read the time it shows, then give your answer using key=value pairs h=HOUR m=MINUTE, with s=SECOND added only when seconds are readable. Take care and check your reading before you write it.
h=9 m=2
